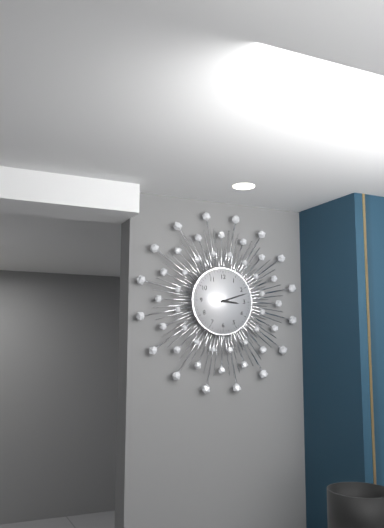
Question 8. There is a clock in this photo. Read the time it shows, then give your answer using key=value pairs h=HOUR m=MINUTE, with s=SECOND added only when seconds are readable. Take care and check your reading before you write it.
h=3 m=12
